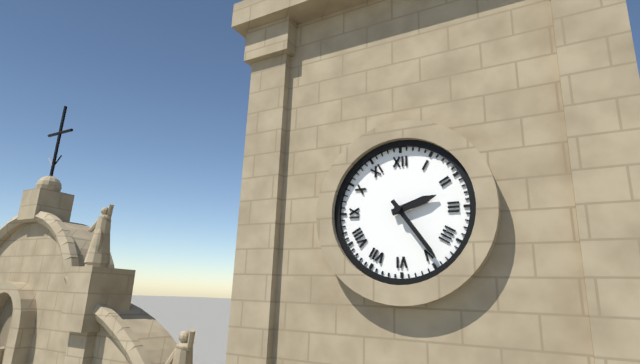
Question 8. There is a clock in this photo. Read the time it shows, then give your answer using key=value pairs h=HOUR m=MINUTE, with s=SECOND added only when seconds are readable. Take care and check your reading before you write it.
h=2 m=24
